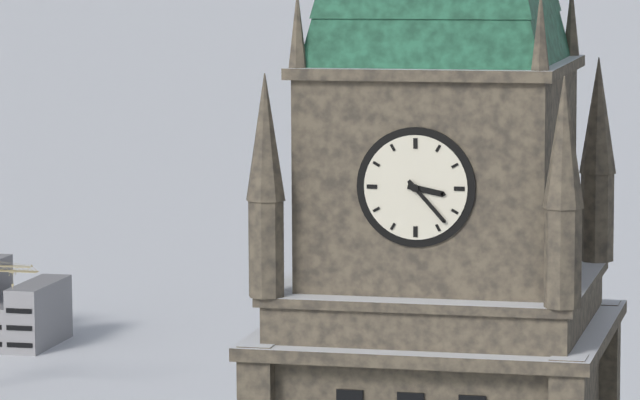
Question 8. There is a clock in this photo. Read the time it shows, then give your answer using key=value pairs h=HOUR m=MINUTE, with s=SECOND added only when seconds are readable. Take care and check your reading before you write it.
h=3 m=23
